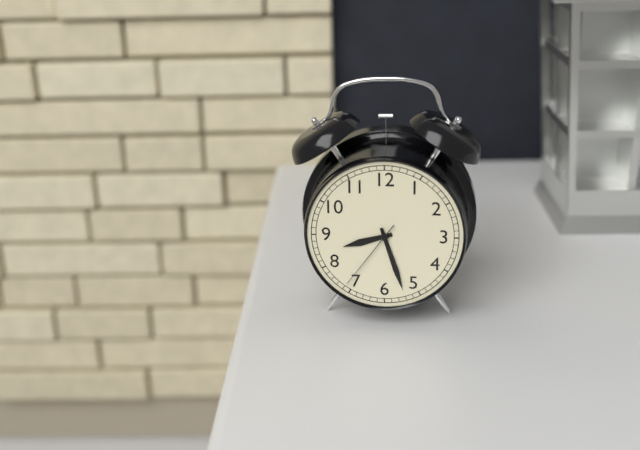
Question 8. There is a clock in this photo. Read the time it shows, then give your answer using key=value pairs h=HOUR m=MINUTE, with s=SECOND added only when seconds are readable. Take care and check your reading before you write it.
h=8 m=27 s=36
